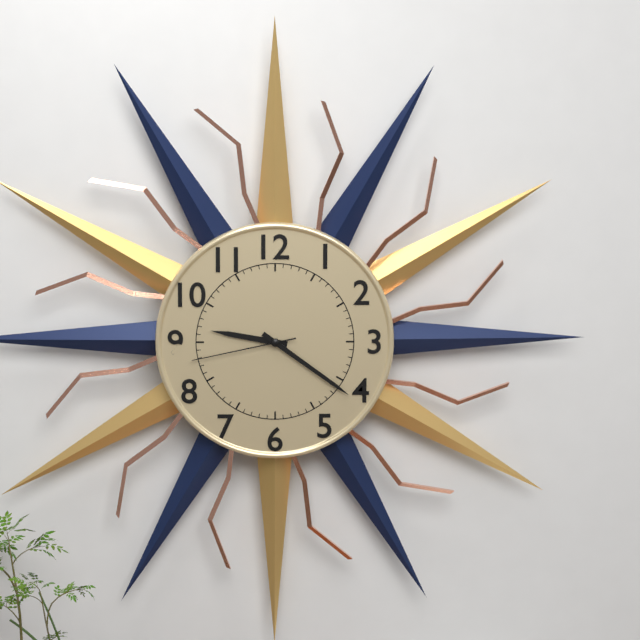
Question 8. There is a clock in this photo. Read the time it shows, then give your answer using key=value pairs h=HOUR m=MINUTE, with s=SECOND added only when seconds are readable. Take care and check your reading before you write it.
h=9 m=21 s=43
